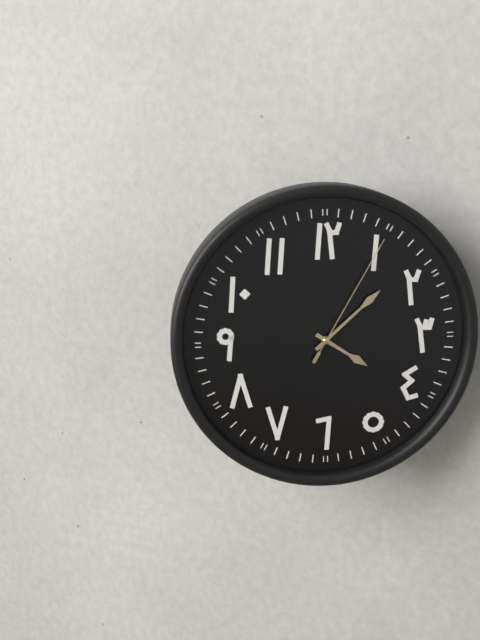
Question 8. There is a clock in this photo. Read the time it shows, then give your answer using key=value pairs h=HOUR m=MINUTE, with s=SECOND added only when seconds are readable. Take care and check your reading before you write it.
h=4 m=8 s=5
